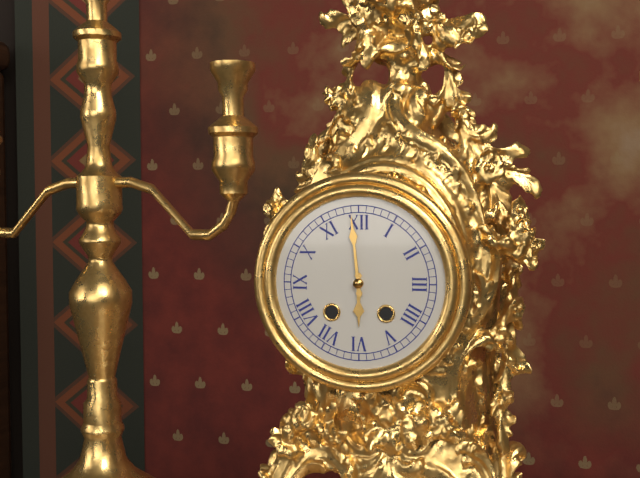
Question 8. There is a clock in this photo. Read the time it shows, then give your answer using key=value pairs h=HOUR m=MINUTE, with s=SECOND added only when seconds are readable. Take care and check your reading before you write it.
h=5 m=59
